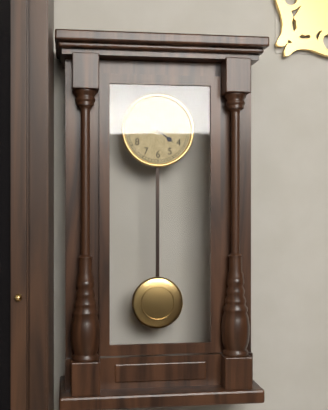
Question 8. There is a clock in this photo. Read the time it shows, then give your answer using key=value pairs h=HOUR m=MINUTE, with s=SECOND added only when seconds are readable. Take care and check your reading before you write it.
h=4 m=15
